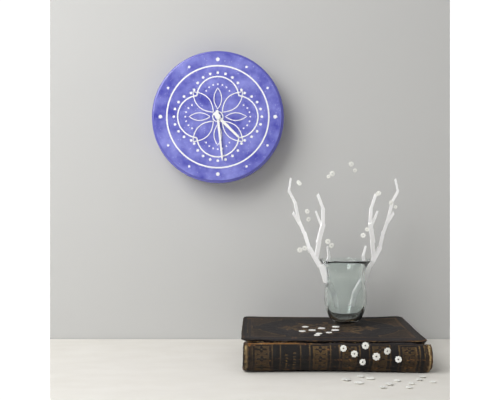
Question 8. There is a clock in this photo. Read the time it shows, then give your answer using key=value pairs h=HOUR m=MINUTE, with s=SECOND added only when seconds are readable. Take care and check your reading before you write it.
h=4 m=29
